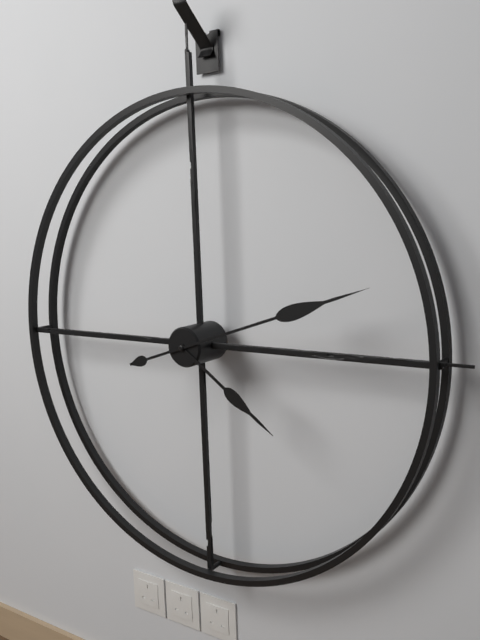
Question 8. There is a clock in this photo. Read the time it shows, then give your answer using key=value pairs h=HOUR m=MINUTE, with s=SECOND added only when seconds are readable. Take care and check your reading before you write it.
h=4 m=12
